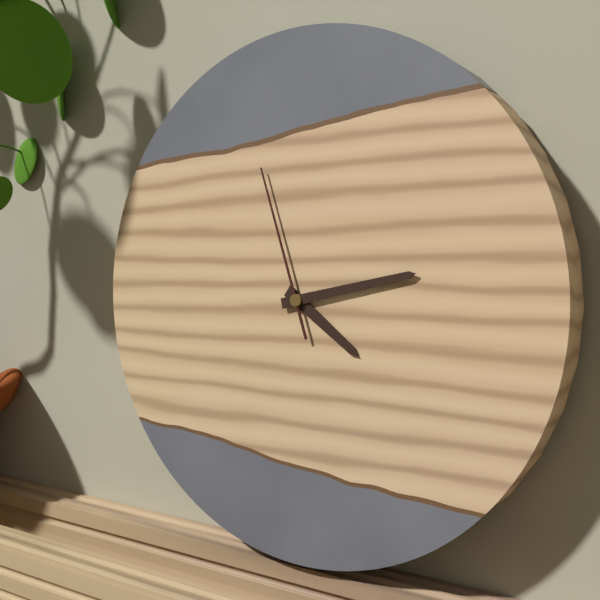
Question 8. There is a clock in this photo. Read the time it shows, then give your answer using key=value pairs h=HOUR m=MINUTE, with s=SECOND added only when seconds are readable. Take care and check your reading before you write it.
h=4 m=13 s=57
